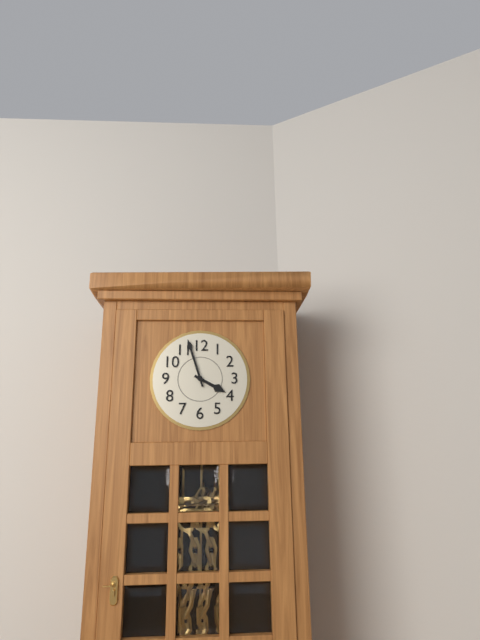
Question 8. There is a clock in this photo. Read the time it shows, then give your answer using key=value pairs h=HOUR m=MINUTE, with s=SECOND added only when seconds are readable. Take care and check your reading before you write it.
h=3 m=57
